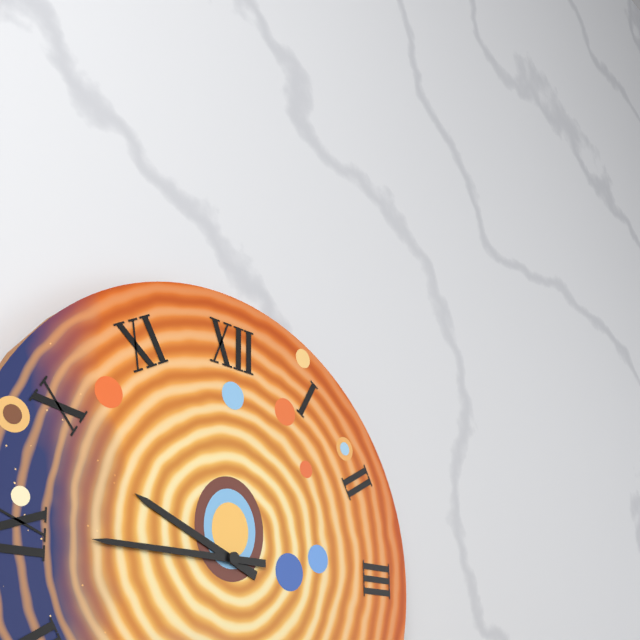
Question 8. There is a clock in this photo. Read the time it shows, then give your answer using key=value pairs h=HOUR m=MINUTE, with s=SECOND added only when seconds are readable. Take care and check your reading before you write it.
h=9 m=45
